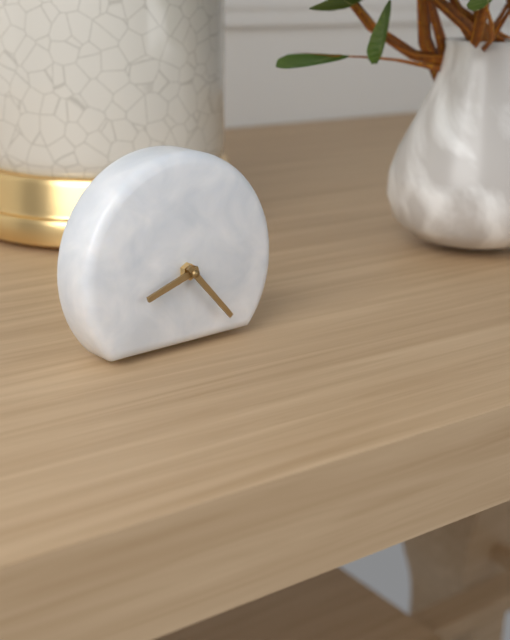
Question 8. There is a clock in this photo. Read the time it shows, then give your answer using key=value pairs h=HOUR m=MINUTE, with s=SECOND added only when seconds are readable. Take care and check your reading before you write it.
h=8 m=23
